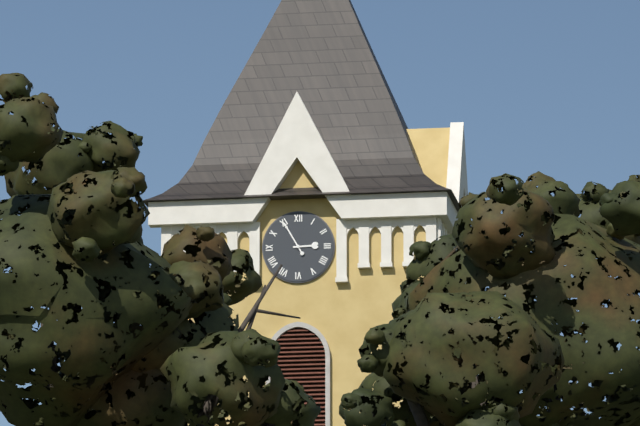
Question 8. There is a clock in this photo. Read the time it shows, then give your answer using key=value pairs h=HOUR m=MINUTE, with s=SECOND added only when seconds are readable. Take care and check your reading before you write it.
h=2 m=55
